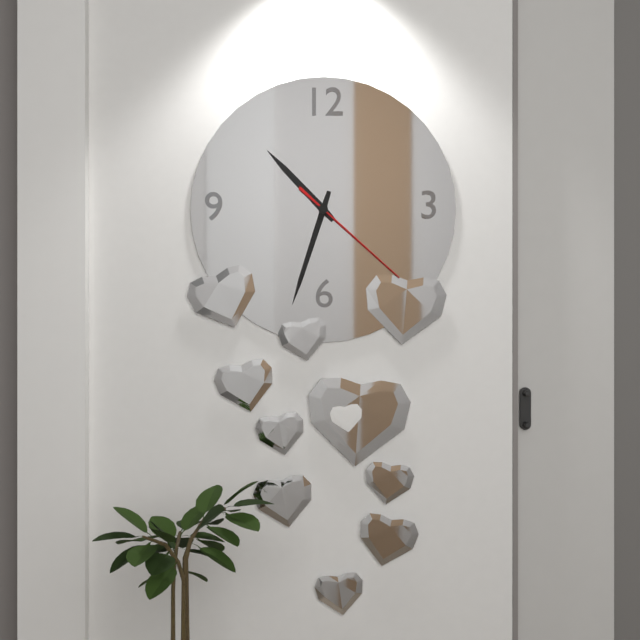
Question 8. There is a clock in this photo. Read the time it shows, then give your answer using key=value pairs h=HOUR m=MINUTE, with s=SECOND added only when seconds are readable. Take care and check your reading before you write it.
h=10 m=33 s=22
